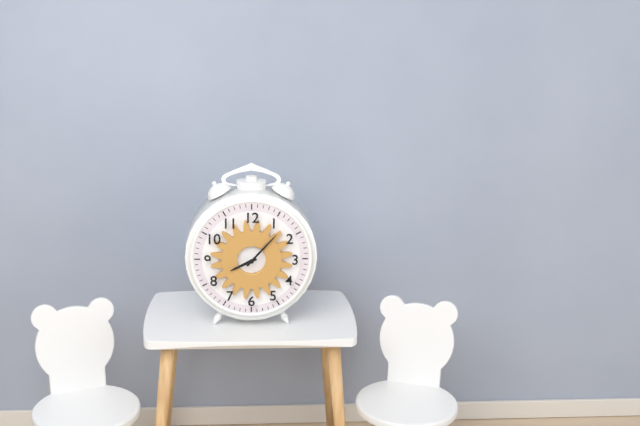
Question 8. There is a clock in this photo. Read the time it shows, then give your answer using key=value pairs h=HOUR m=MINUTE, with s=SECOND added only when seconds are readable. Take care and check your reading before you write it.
h=8 m=7
